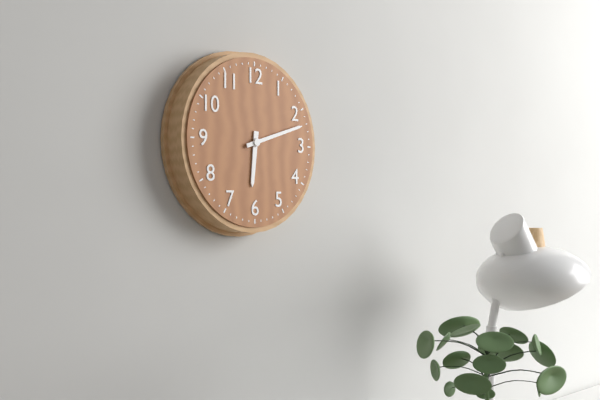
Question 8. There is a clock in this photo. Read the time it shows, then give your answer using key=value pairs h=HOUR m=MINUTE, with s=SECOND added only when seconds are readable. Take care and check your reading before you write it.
h=6 m=12
